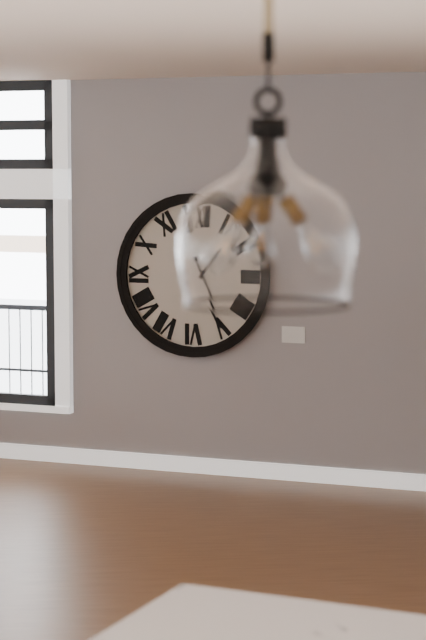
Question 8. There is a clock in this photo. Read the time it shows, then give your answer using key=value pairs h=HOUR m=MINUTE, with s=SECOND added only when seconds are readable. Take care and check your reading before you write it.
h=1 m=25
